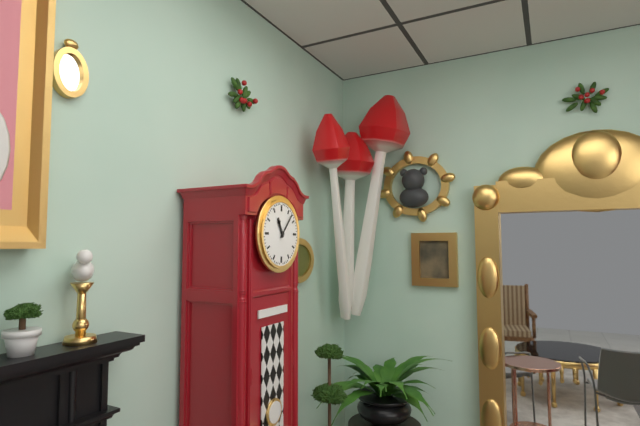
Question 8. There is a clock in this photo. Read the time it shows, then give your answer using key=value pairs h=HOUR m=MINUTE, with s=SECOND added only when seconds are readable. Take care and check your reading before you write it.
h=11 m=7
